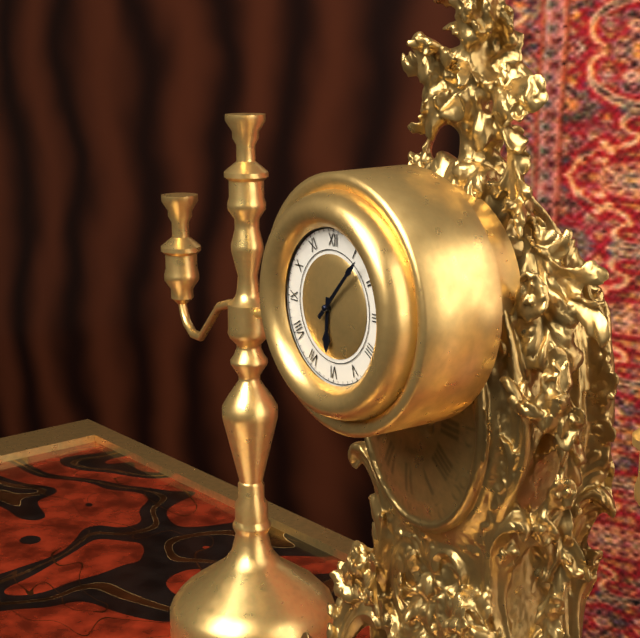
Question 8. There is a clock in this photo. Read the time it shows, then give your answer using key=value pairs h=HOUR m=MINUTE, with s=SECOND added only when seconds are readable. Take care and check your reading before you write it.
h=6 m=7
